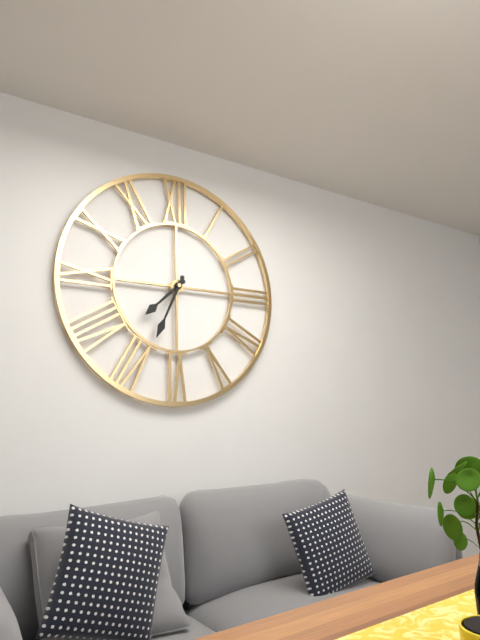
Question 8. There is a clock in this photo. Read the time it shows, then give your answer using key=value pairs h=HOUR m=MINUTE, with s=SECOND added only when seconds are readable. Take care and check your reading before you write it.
h=7 m=34
